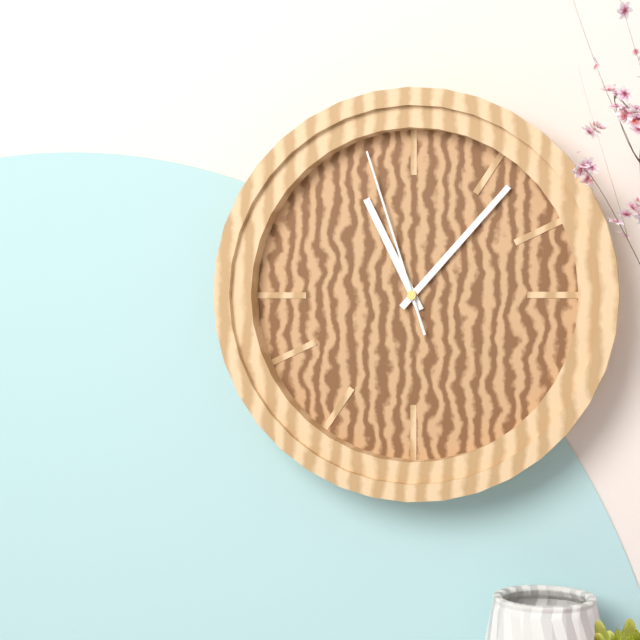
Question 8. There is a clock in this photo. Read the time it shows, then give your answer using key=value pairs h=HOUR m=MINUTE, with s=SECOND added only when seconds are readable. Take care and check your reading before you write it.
h=11 m=7 s=57
